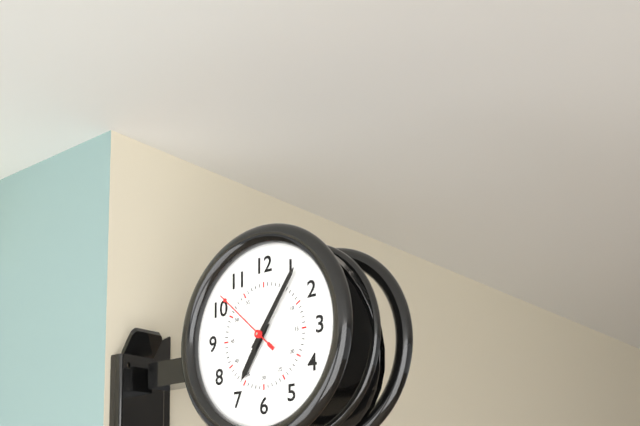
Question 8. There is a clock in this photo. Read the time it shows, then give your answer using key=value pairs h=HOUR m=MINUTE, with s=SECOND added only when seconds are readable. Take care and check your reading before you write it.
h=7 m=6 s=52
